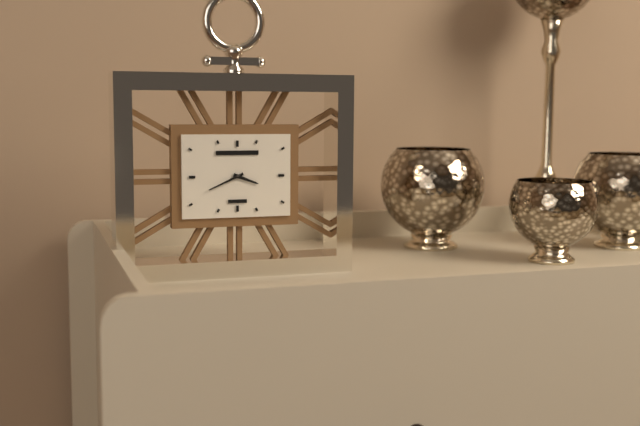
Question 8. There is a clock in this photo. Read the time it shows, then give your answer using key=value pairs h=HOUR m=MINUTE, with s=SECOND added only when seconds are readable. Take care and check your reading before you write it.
h=3 m=41
